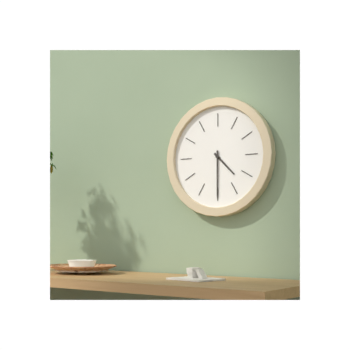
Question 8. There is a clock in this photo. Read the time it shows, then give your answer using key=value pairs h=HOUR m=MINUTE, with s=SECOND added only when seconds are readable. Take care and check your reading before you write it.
h=4 m=30
